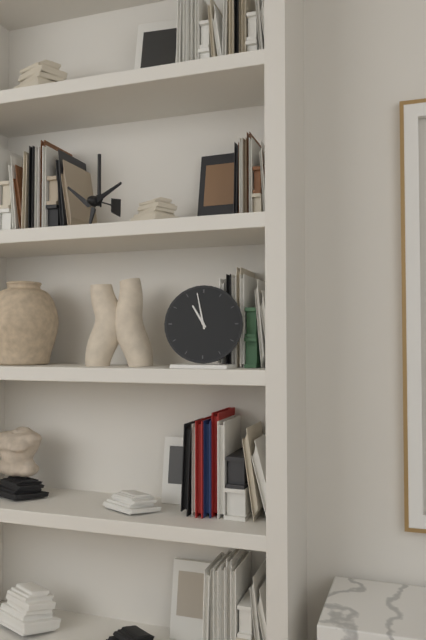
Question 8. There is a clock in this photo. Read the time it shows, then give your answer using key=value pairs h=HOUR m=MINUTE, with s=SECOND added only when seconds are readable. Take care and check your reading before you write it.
h=10 m=58
